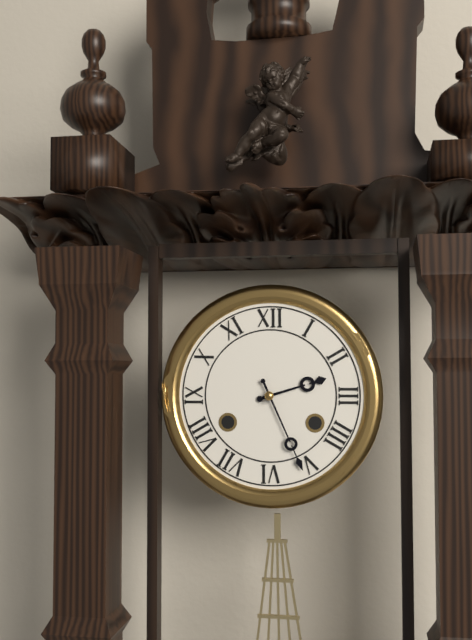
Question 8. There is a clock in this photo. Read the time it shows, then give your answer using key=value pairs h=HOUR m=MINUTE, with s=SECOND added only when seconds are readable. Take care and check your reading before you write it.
h=2 m=26
